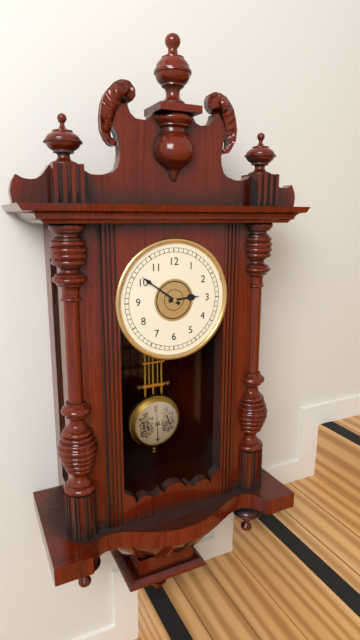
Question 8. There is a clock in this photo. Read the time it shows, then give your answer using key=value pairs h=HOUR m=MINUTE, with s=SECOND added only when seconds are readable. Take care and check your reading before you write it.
h=2 m=51
